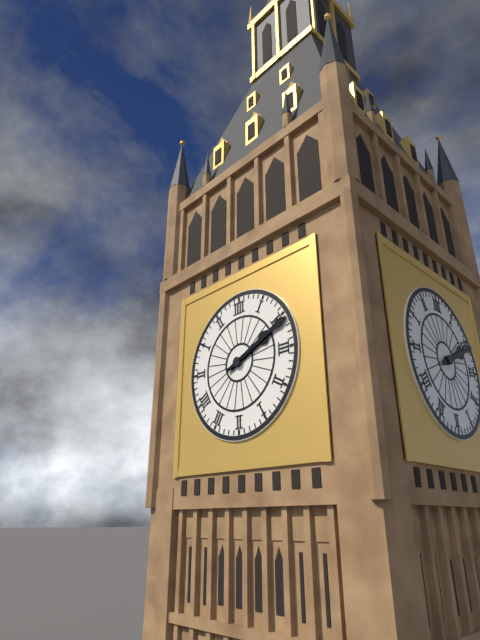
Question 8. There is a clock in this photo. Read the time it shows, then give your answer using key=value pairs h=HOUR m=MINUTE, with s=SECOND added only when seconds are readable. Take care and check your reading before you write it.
h=2 m=11
